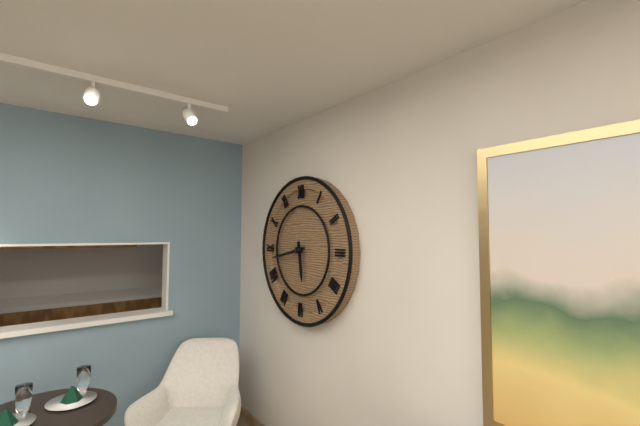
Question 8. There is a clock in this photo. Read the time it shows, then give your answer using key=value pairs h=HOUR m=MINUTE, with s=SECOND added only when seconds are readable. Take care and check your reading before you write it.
h=5 m=43
